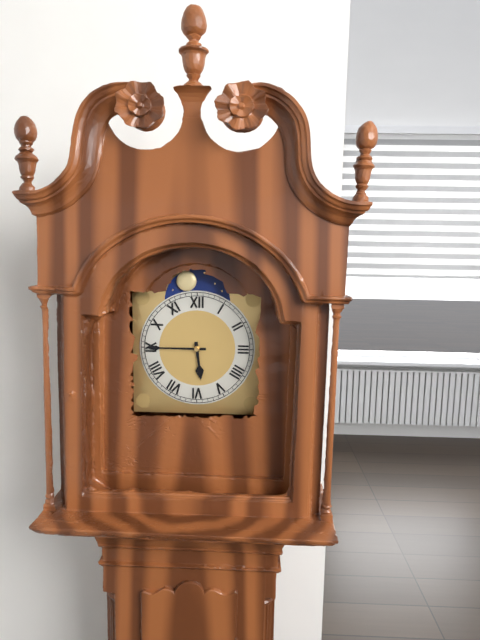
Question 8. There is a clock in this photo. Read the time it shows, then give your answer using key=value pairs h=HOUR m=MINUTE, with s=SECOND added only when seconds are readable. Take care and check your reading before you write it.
h=5 m=45
